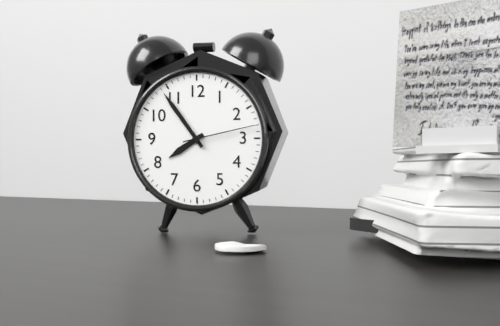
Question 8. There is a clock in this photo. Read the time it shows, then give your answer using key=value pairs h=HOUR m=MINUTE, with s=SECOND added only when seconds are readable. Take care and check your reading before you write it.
h=7 m=54 s=13
